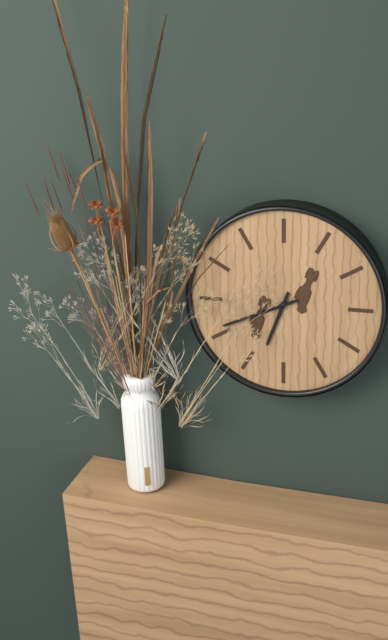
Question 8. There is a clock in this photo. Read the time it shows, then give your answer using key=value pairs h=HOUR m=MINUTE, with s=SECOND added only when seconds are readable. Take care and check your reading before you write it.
h=6 m=41
